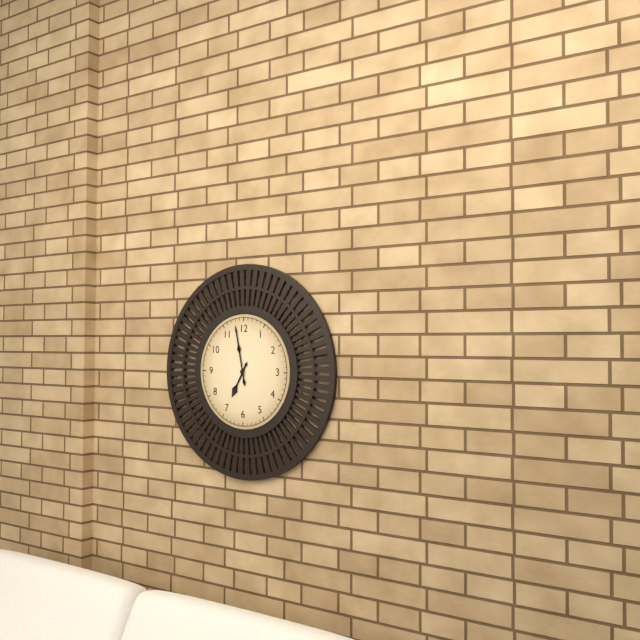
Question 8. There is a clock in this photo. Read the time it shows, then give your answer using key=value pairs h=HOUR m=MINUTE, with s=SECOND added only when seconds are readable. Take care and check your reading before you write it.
h=6 m=58
